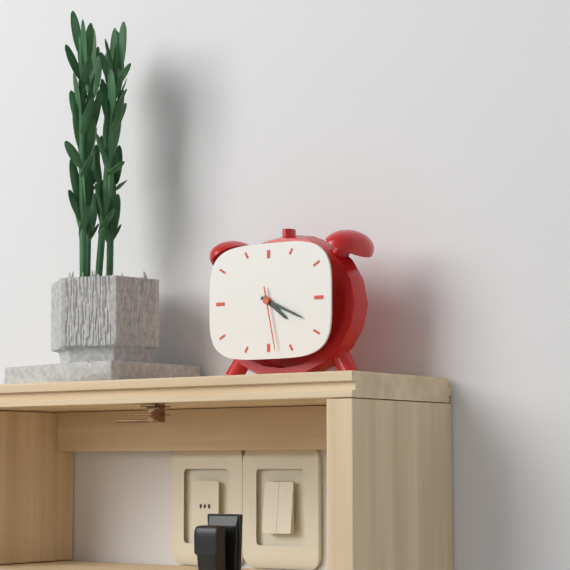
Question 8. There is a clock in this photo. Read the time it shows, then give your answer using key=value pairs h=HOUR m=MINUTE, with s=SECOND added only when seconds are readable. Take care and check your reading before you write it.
h=4 m=19 s=28
